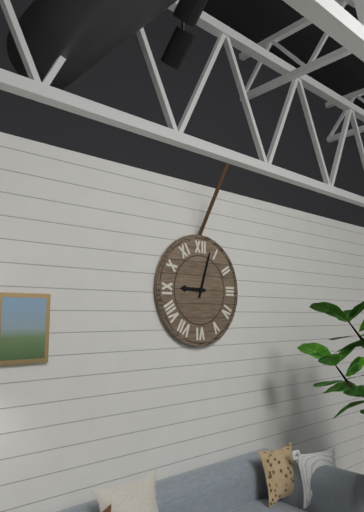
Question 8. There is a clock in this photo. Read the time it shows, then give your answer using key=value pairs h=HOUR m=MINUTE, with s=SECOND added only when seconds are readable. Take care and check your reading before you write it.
h=9 m=3
